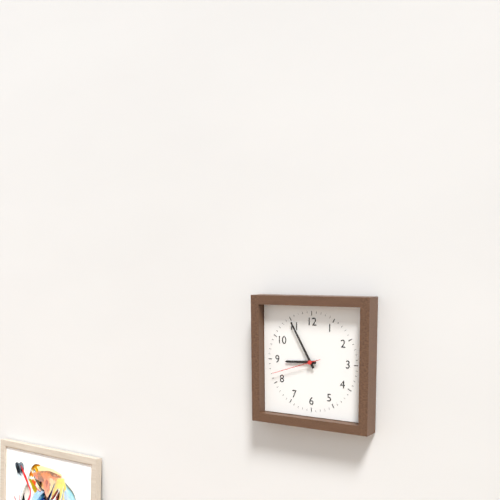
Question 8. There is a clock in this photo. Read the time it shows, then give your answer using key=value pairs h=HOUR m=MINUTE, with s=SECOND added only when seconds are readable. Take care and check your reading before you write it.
h=8 m=55
